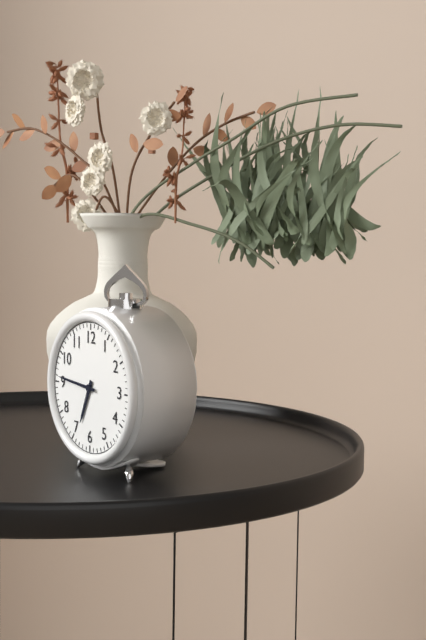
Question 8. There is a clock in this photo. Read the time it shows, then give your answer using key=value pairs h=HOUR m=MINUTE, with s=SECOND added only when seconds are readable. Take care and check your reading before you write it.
h=6 m=46
